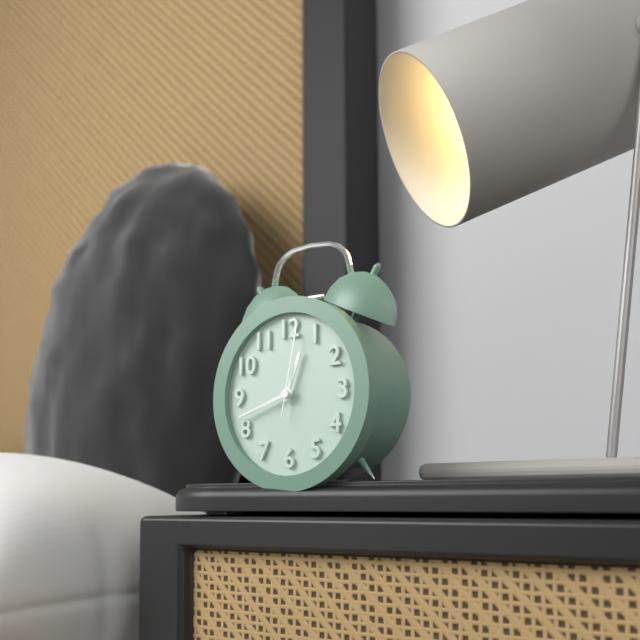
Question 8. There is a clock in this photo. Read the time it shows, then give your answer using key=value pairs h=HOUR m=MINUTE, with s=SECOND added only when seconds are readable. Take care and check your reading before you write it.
h=12 m=42 s=2
